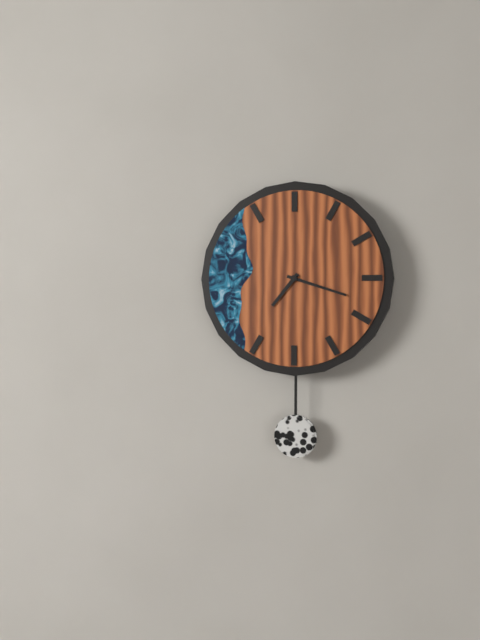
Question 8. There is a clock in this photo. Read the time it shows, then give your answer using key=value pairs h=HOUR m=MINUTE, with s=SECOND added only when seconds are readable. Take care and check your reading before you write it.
h=7 m=18
